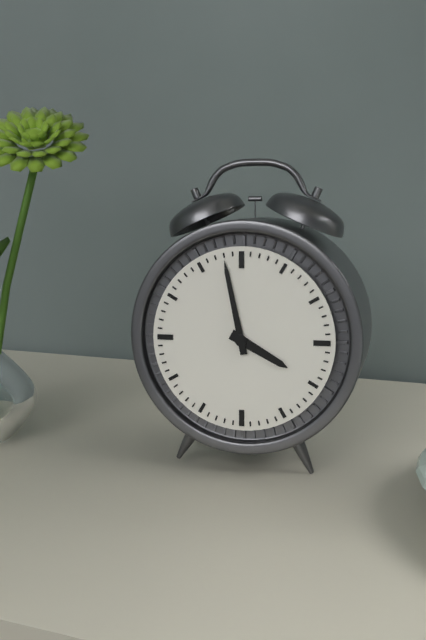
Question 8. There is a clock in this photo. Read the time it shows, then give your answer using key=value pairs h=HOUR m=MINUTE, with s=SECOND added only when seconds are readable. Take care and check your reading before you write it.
h=3 m=58
